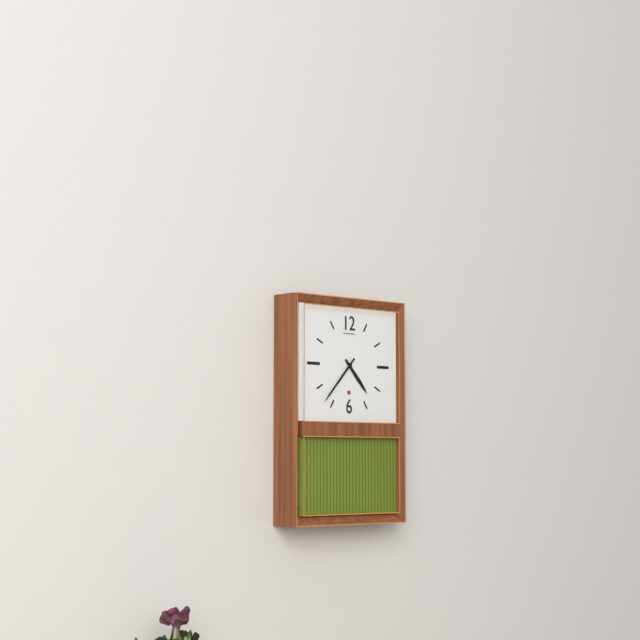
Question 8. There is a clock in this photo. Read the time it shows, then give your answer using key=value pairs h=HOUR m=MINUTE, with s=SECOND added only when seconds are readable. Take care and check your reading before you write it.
h=4 m=37
